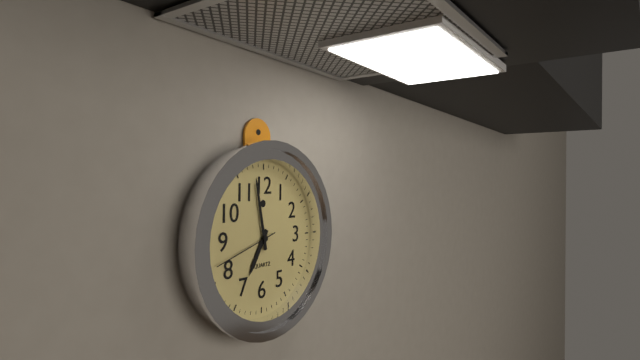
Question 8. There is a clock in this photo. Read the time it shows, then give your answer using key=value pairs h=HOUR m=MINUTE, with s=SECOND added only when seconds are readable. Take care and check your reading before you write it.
h=6 m=58 s=42
